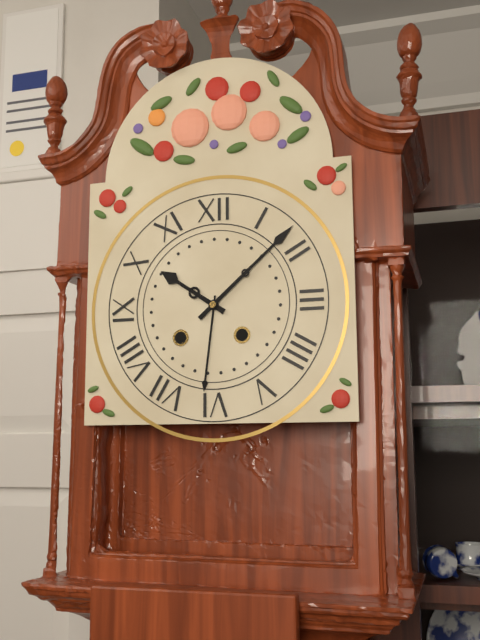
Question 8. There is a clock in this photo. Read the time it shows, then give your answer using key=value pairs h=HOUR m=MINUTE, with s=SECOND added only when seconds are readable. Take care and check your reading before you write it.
h=10 m=8
